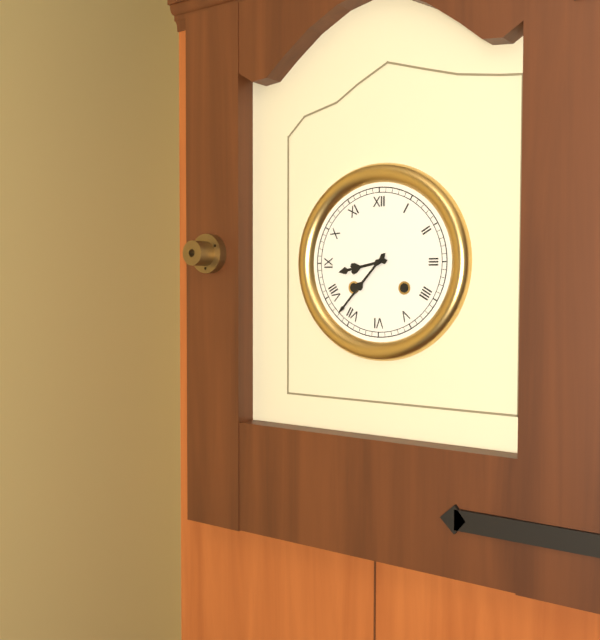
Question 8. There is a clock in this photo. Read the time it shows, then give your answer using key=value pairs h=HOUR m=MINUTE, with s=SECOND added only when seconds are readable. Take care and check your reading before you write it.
h=8 m=37
